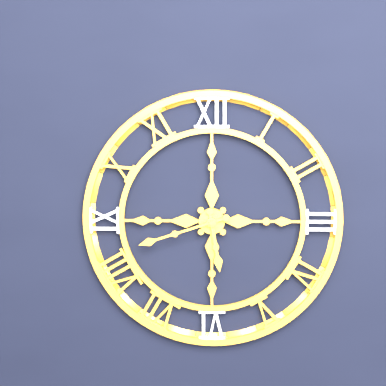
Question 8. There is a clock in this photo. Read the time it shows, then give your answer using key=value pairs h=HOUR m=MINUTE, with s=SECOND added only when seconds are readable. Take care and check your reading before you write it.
h=5 m=42
